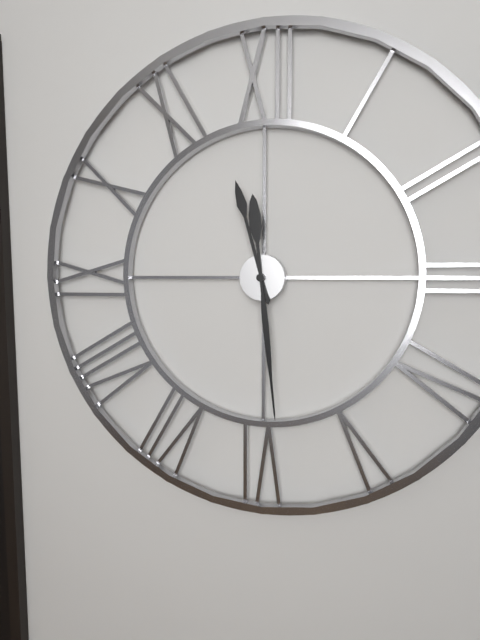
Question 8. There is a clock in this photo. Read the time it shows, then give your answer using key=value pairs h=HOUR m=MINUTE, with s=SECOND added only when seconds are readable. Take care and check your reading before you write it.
h=11 m=29
